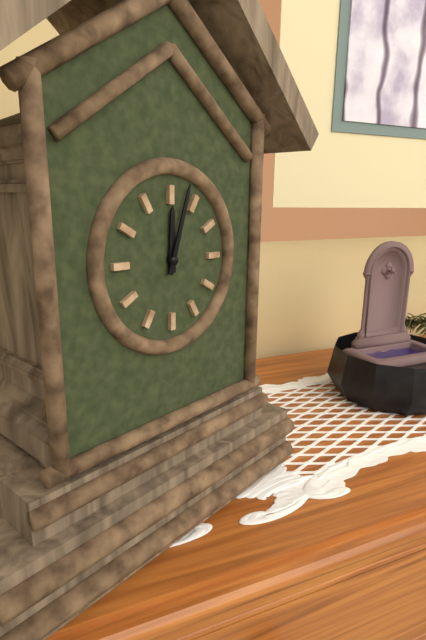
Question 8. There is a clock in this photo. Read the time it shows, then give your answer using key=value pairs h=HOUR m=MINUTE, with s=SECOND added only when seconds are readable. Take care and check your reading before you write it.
h=12 m=3
